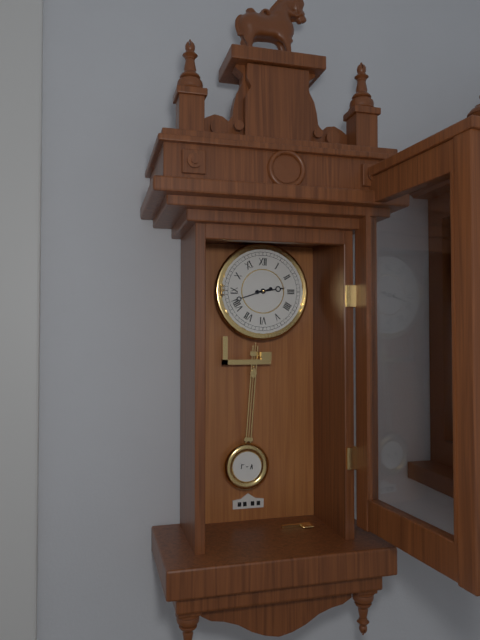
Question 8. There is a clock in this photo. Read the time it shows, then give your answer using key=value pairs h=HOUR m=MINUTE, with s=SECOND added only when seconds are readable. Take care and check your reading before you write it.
h=2 m=42
